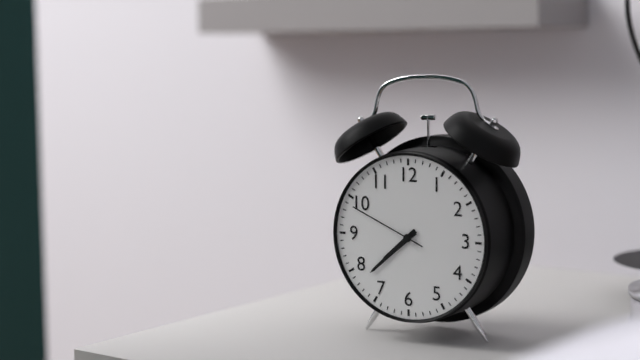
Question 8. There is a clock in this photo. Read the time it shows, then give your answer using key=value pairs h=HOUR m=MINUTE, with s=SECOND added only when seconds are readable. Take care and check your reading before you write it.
h=7 m=38 s=49
